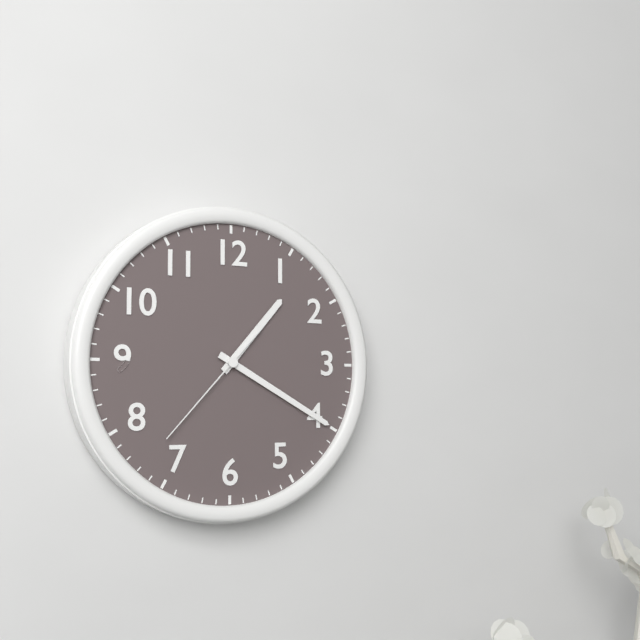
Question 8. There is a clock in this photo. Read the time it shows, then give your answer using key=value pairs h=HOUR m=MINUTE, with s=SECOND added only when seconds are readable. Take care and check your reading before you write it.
h=1 m=20 s=37
